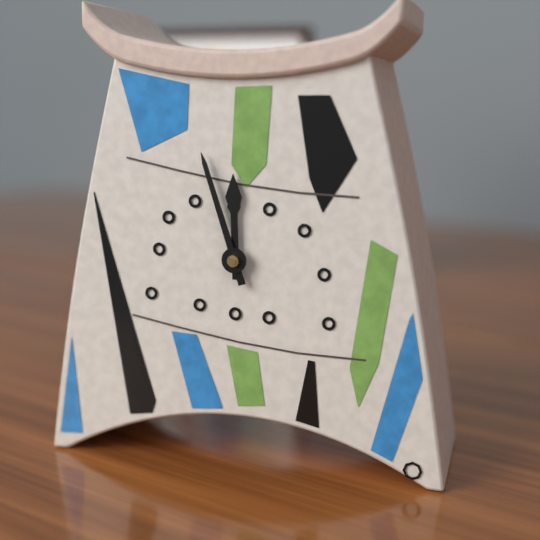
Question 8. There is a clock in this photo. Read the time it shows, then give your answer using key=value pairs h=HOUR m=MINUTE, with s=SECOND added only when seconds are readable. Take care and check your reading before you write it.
h=11 m=57
